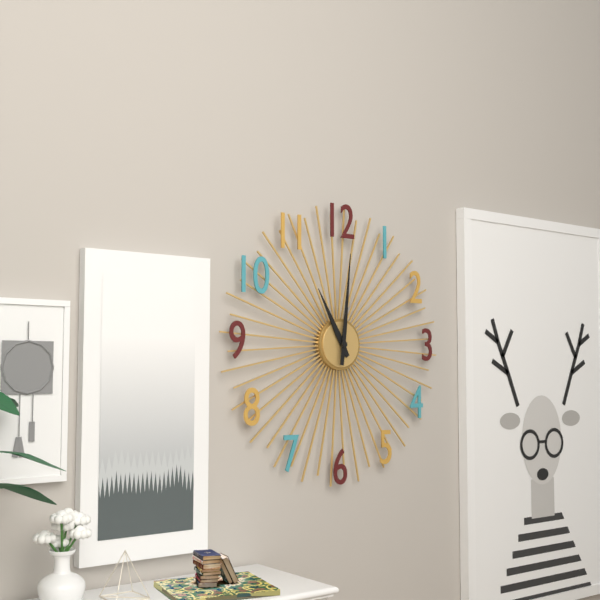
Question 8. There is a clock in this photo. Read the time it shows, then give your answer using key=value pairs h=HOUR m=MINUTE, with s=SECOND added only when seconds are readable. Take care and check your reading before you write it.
h=11 m=1
